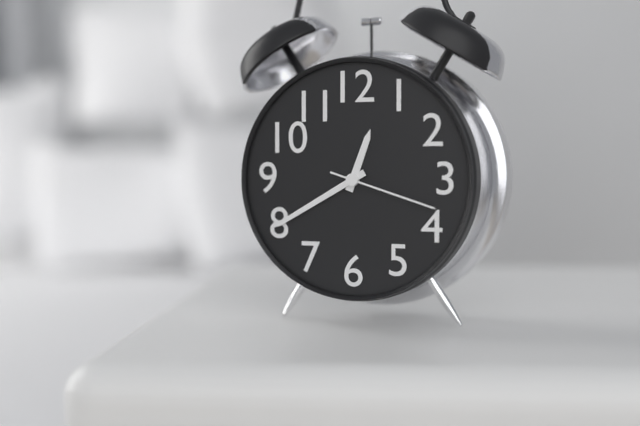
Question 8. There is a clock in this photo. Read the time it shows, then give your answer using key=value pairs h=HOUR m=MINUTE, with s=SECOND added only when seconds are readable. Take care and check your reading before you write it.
h=12 m=40 s=18
